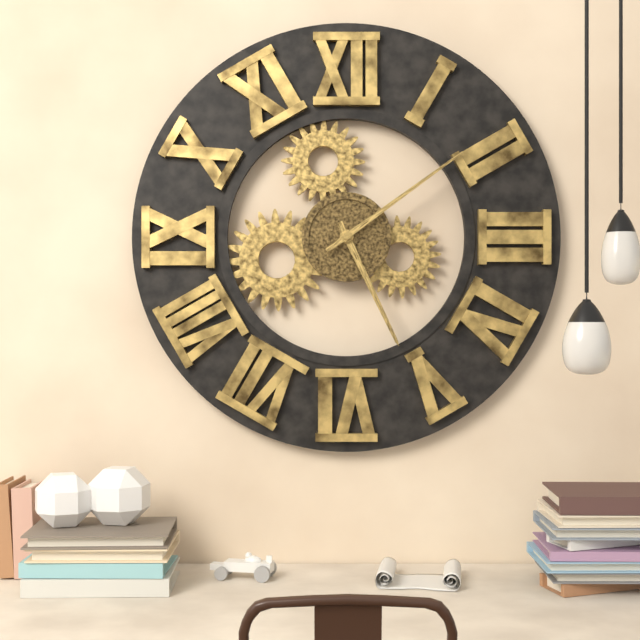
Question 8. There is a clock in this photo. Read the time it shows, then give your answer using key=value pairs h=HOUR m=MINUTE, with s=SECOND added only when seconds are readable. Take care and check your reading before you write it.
h=5 m=9
